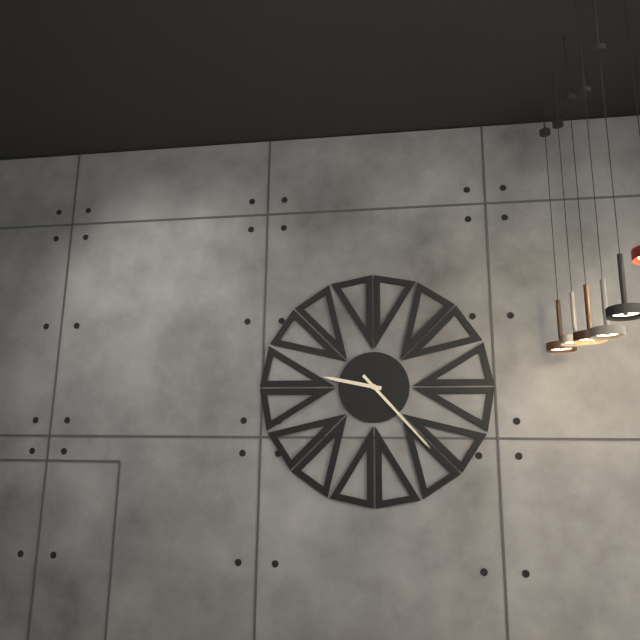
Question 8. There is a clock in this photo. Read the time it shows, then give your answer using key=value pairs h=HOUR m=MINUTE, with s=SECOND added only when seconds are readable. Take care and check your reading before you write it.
h=9 m=23
